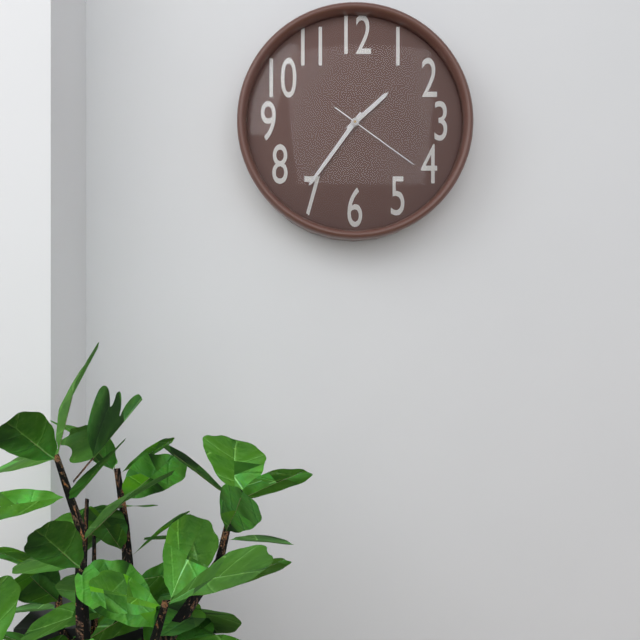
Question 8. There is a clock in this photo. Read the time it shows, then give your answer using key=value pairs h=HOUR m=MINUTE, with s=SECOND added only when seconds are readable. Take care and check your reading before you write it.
h=1 m=36 s=21
